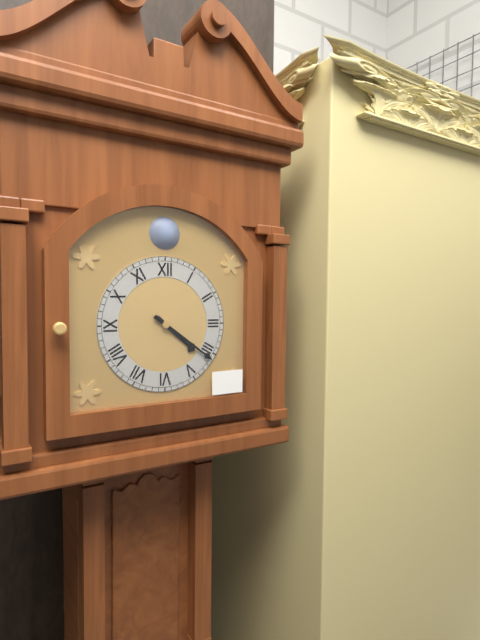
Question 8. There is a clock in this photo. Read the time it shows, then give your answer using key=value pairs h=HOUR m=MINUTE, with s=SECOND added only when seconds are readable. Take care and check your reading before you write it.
h=4 m=21
